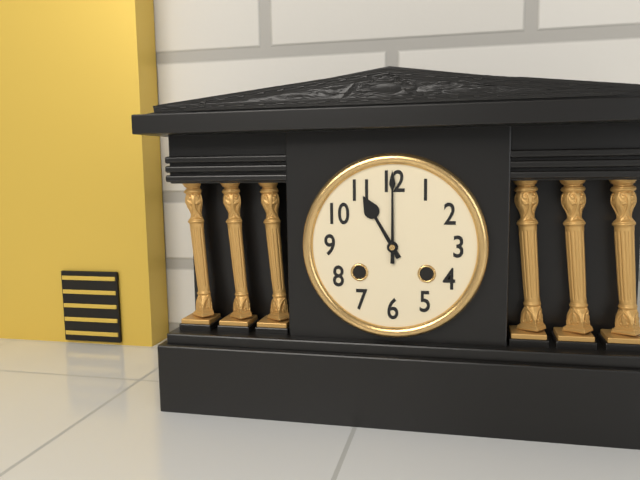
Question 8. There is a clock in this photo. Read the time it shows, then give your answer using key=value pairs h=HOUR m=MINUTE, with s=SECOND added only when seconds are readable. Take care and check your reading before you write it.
h=11 m=0
